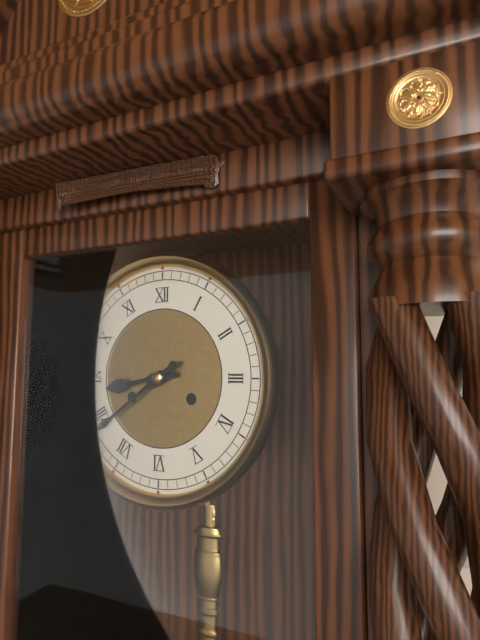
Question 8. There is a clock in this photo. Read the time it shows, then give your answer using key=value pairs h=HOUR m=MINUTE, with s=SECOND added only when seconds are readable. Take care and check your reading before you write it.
h=8 m=39
